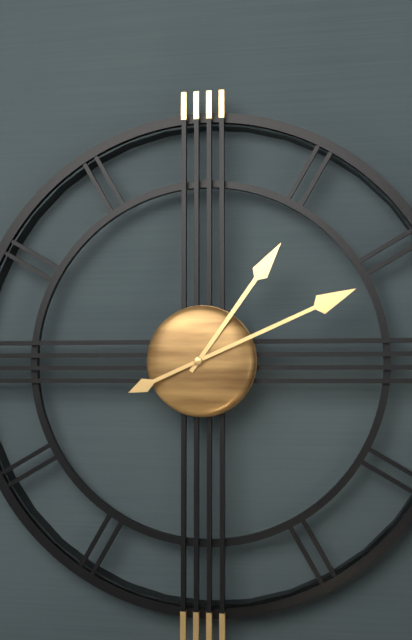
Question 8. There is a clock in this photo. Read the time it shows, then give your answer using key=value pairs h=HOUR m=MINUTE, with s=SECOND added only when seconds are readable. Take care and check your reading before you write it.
h=1 m=11
